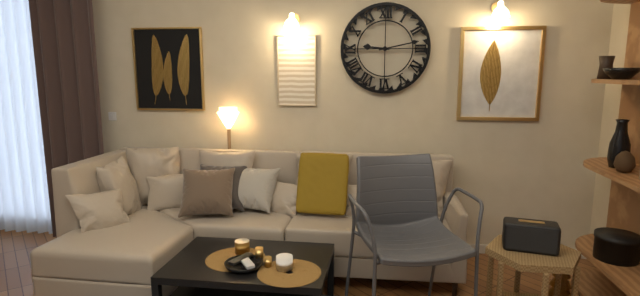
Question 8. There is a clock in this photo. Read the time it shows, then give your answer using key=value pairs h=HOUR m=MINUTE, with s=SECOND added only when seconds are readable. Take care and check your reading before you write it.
h=9 m=13
